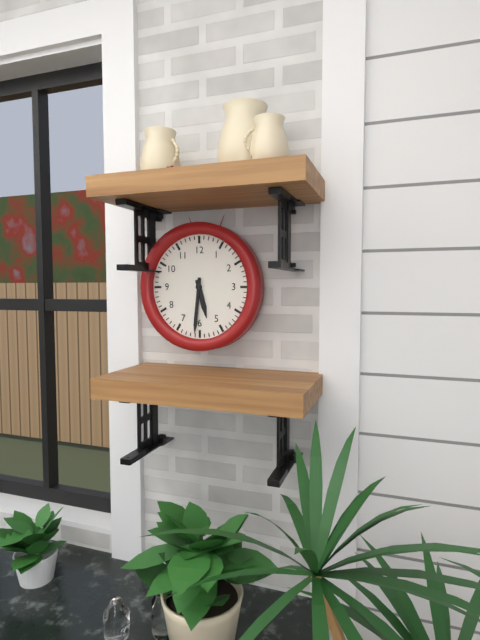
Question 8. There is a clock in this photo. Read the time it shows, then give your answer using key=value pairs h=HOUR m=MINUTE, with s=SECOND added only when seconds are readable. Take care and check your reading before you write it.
h=5 m=31
